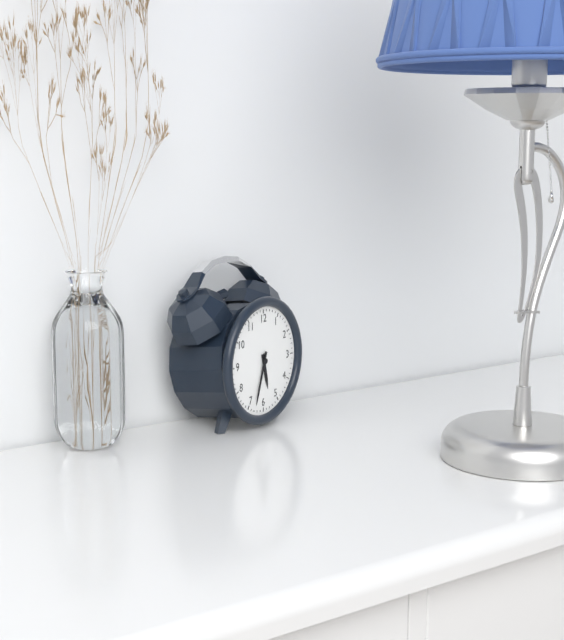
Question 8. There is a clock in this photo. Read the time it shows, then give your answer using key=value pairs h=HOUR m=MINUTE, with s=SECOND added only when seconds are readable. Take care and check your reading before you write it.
h=5 m=33
